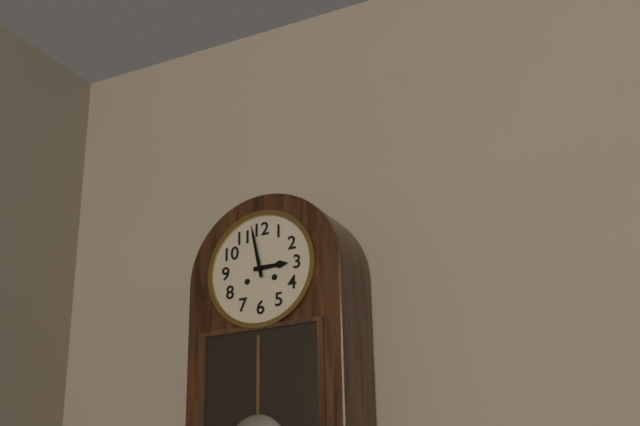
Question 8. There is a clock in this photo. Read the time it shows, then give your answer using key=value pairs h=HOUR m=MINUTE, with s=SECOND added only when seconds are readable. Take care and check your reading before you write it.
h=2 m=58
